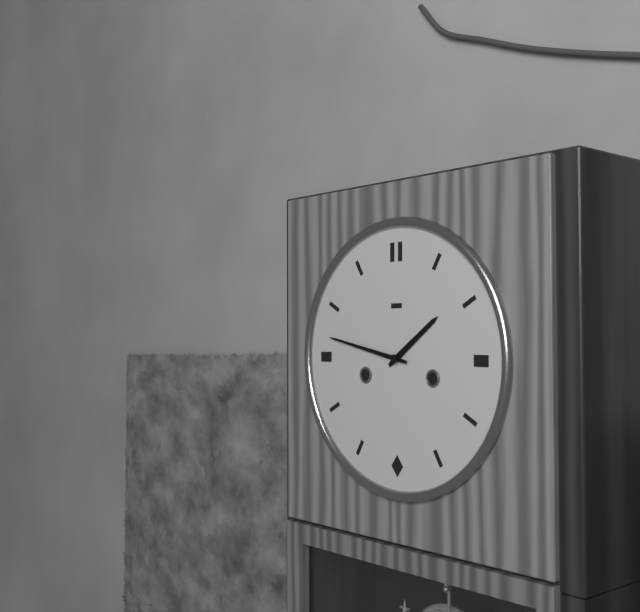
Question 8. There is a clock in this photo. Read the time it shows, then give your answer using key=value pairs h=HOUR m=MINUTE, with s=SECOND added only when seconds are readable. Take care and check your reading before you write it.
h=1 m=47
